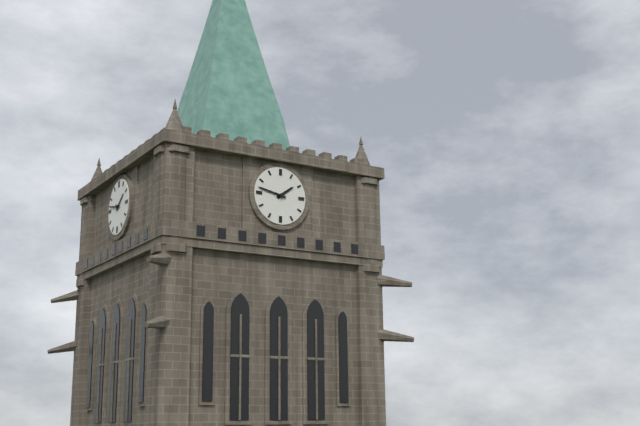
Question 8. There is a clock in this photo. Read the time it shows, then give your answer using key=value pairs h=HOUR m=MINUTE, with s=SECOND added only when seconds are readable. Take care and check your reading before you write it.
h=1 m=47
